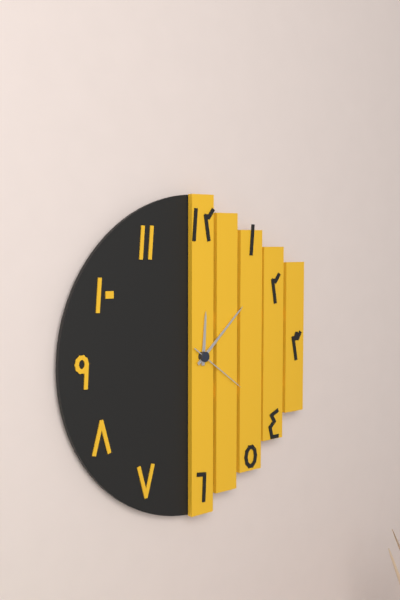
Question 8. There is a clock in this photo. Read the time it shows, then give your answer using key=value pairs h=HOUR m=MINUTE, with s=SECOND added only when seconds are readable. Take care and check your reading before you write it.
h=12 m=8 s=21
